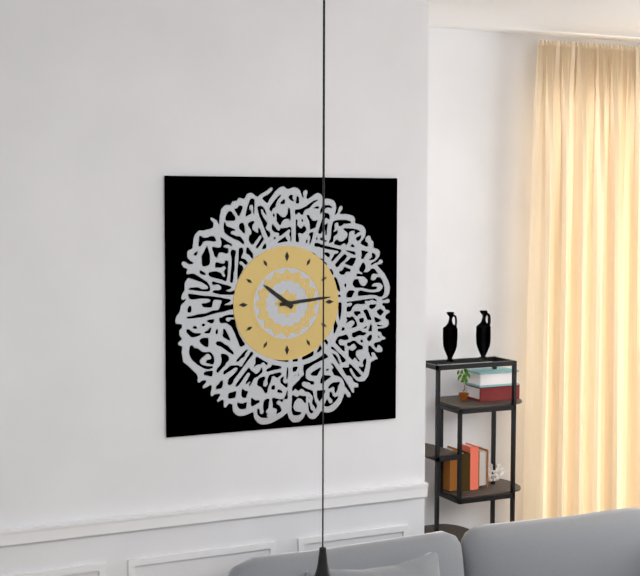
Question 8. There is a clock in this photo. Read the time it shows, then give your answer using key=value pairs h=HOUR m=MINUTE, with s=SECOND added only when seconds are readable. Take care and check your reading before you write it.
h=10 m=14
